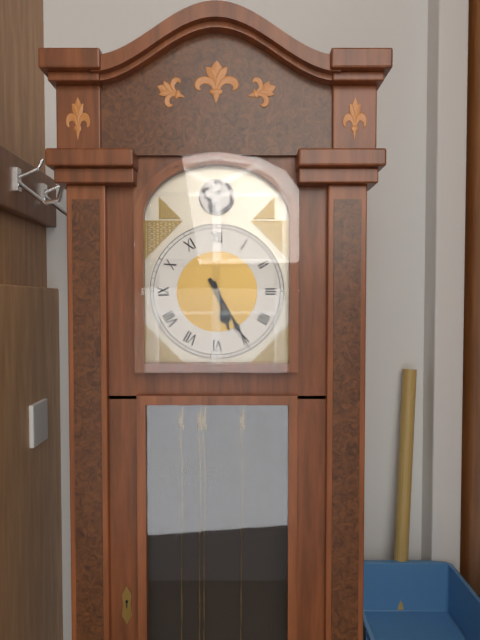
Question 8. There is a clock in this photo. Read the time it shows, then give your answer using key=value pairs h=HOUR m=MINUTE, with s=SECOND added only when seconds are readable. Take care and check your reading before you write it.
h=5 m=25
